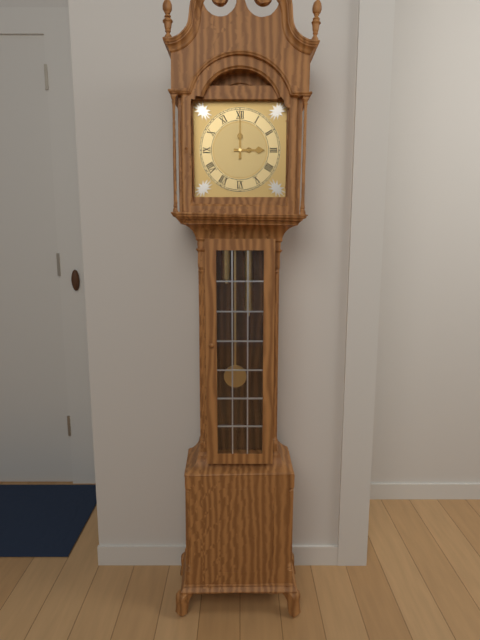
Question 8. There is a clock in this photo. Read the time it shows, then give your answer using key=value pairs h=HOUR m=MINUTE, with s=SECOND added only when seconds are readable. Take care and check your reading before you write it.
h=3 m=0
